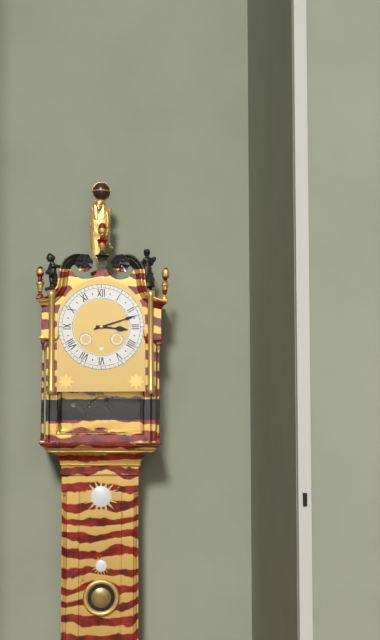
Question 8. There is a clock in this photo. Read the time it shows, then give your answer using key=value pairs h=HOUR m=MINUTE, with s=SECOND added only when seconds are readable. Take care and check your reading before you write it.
h=3 m=12
